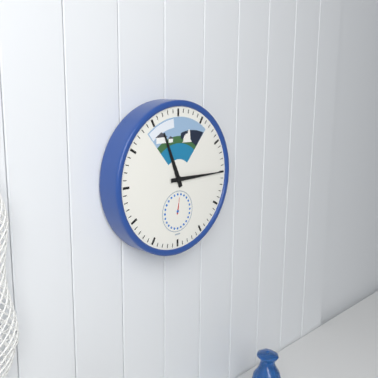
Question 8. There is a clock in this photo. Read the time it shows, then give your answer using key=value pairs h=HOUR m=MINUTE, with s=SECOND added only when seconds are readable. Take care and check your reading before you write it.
h=11 m=15
